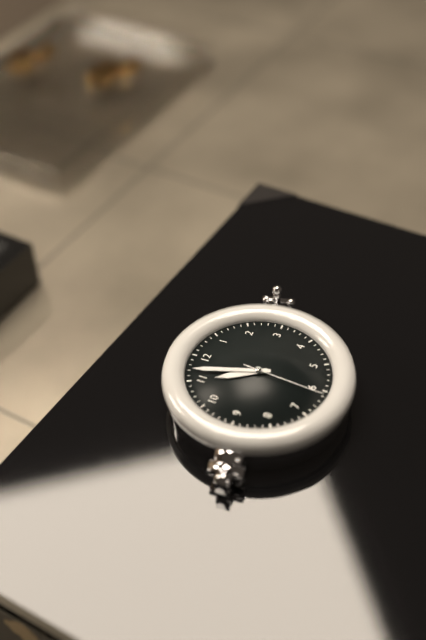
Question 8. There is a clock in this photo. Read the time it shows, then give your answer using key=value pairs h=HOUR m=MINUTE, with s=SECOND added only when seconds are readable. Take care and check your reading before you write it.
h=10 m=57 s=31
